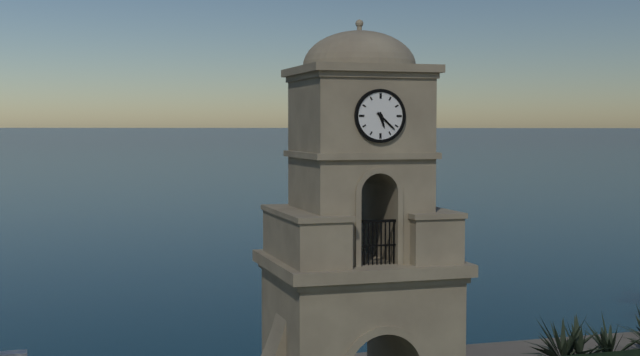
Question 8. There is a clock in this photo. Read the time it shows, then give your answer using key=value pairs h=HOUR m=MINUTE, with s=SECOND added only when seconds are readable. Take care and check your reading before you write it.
h=5 m=22
